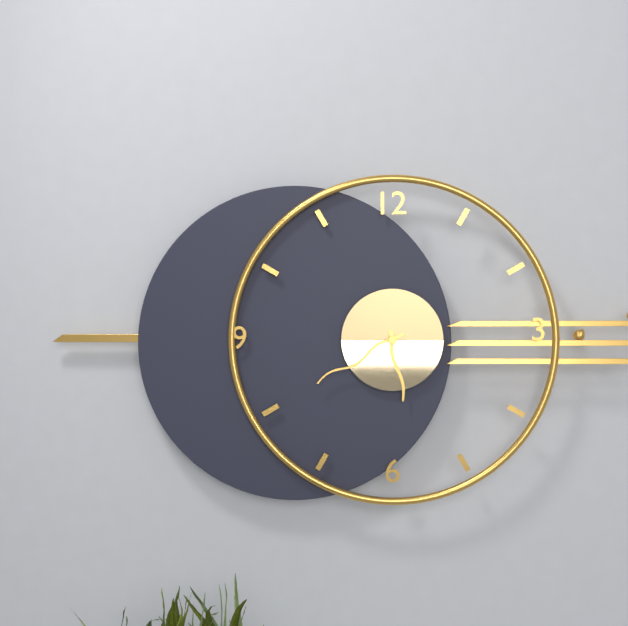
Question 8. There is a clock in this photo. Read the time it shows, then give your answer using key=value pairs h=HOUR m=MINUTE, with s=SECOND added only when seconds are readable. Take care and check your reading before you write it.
h=5 m=40
